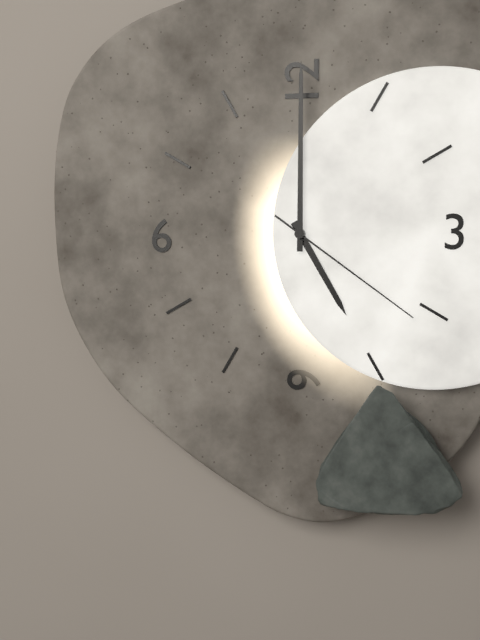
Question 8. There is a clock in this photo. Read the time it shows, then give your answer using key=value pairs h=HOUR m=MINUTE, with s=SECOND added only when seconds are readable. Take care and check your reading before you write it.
h=5 m=0 s=21
